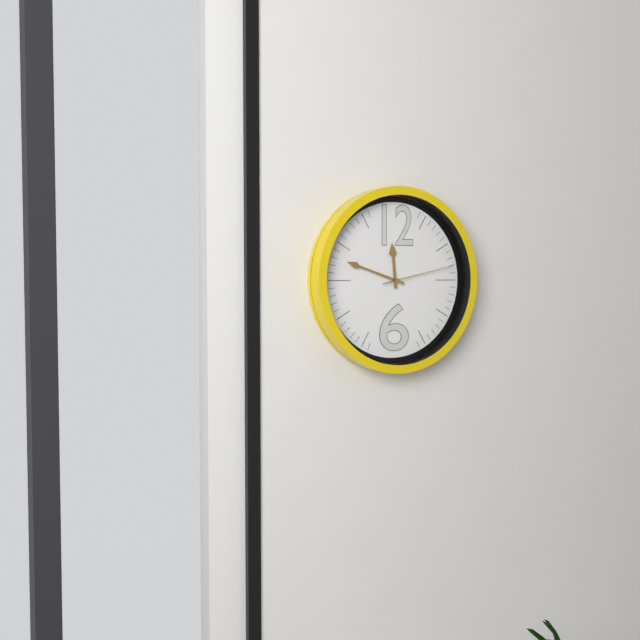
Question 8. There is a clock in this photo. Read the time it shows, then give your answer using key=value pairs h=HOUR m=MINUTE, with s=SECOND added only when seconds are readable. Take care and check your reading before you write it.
h=11 m=48 s=13
